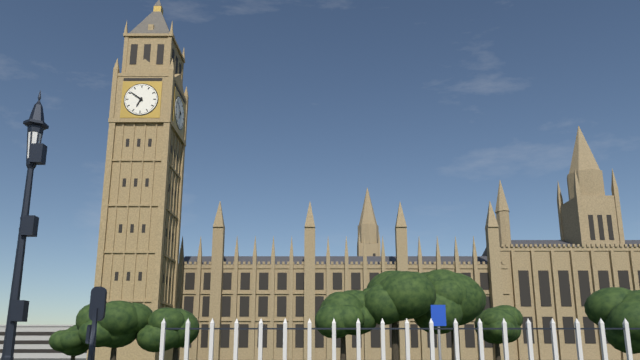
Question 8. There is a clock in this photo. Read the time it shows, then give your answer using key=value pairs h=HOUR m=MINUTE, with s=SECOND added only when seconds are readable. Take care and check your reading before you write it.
h=6 m=51
